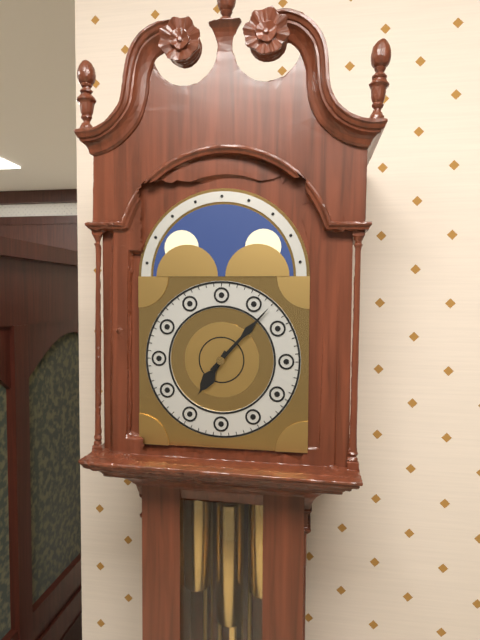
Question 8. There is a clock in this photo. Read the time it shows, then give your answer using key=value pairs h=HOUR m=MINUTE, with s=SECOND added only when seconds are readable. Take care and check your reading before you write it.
h=7 m=7
